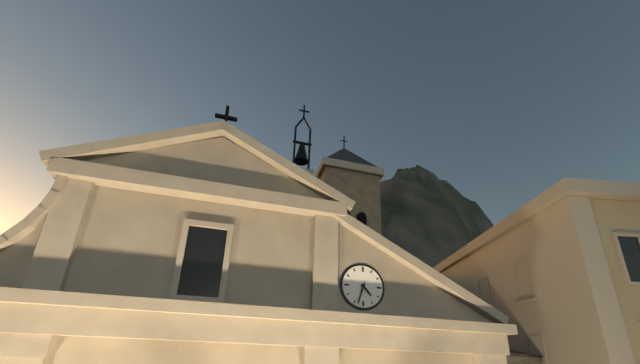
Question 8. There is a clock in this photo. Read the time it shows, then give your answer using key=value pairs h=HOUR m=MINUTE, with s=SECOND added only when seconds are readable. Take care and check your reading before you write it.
h=4 m=33
